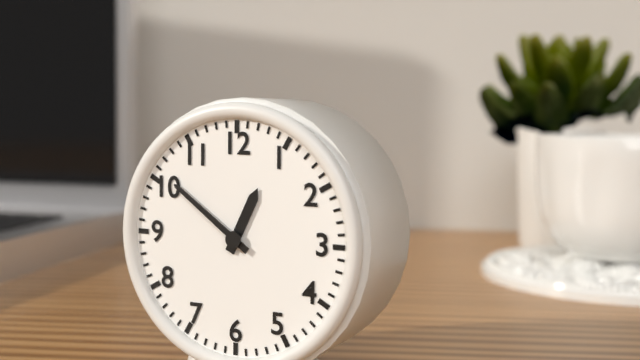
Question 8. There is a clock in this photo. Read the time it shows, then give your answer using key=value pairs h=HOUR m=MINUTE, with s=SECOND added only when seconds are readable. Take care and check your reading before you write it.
h=12 m=51
